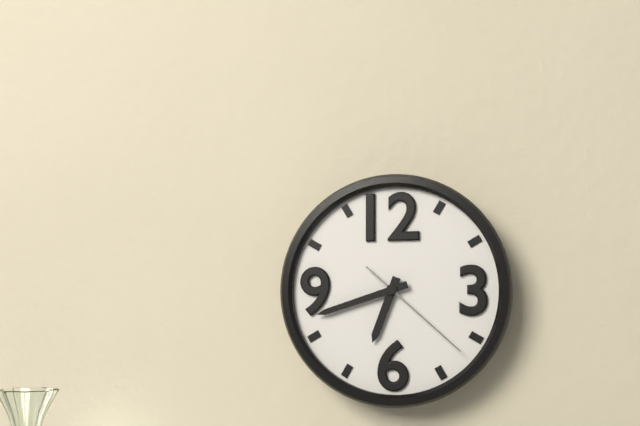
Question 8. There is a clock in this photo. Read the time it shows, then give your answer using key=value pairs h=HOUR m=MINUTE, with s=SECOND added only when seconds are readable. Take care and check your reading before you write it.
h=6 m=42 s=22
